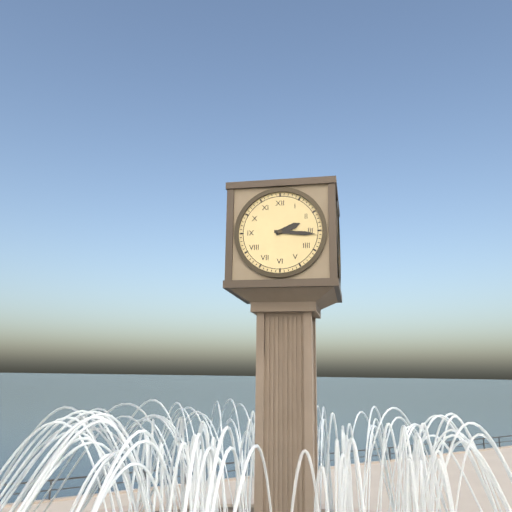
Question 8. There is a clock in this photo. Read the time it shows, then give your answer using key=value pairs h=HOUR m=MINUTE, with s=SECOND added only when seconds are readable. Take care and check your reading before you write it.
h=2 m=16
